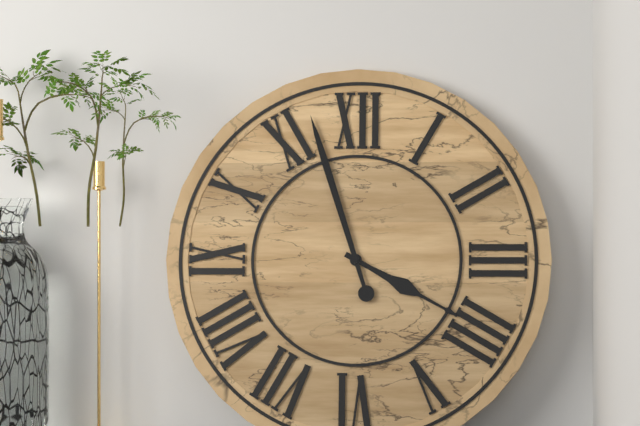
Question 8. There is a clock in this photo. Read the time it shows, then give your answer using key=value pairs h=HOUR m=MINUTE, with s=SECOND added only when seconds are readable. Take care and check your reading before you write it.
h=3 m=57
